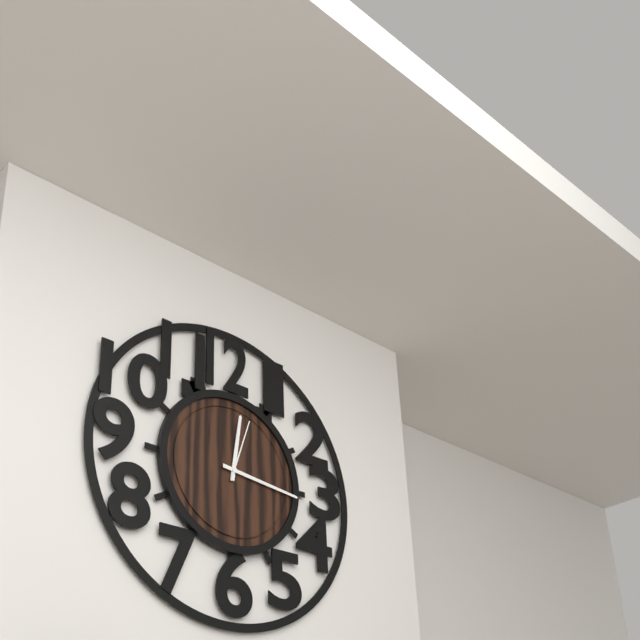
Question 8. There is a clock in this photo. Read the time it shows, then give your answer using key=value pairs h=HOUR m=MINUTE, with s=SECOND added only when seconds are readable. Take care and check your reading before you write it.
h=12 m=16 s=3
